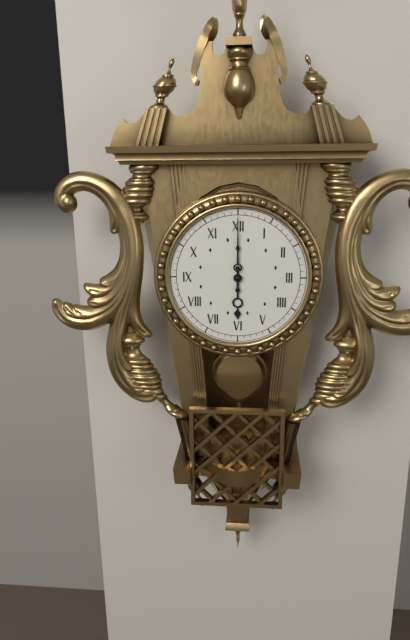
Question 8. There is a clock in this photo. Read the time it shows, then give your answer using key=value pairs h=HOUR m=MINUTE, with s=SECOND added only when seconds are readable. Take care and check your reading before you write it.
h=6 m=0
